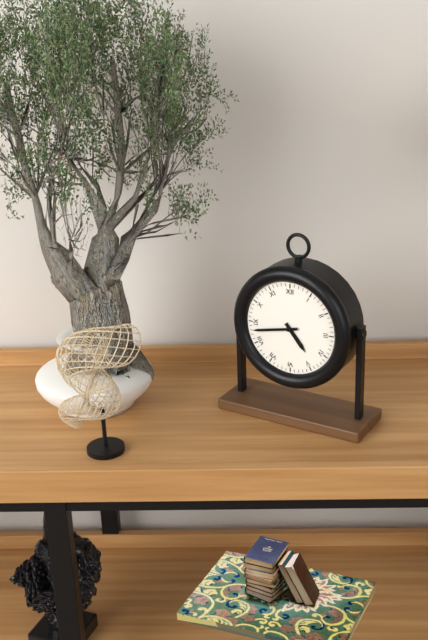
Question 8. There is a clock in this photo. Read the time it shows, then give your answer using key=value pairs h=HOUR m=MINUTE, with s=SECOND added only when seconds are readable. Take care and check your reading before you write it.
h=4 m=43
